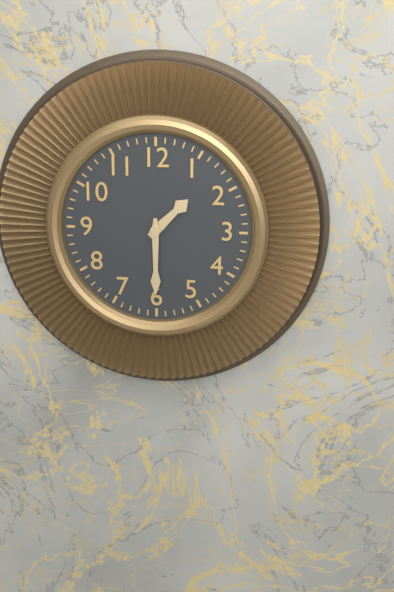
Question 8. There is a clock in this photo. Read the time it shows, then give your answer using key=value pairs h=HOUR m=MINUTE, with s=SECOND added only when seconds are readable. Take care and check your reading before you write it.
h=1 m=30
